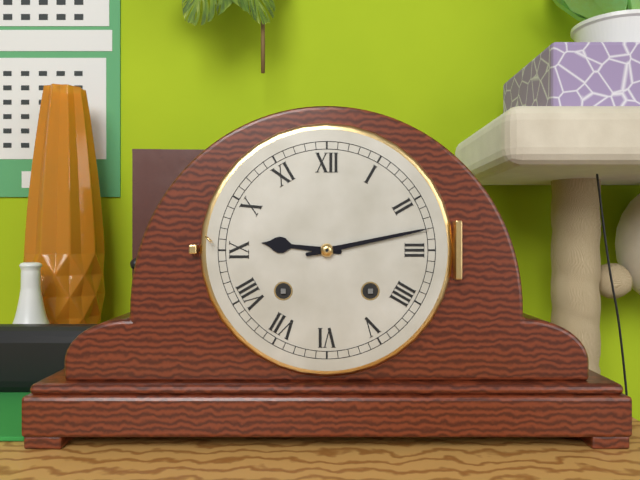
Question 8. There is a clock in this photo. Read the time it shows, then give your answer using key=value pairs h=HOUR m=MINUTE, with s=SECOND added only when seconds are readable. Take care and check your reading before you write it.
h=9 m=13
